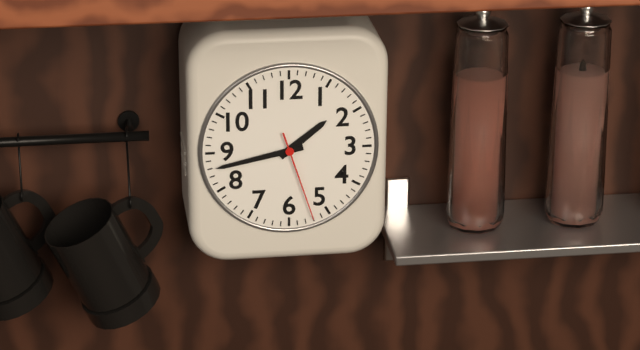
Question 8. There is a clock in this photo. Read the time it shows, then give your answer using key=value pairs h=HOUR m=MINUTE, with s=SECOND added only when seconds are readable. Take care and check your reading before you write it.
h=1 m=43 s=27
